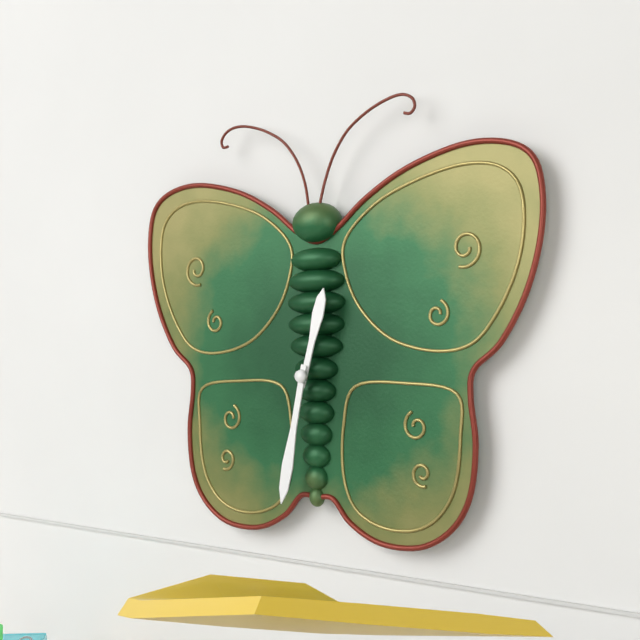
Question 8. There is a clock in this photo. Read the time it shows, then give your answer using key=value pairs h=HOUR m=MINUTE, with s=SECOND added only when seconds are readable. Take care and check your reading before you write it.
h=12 m=32
